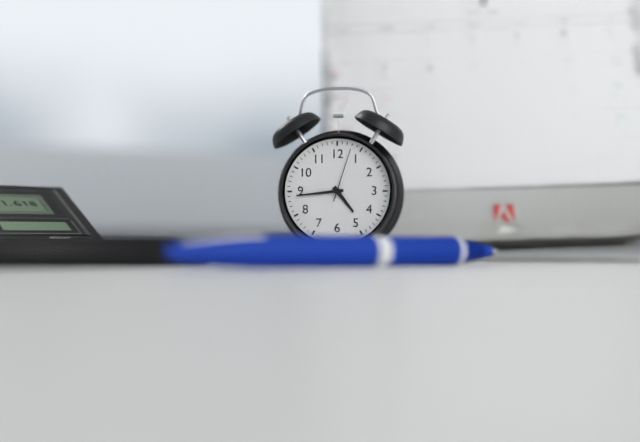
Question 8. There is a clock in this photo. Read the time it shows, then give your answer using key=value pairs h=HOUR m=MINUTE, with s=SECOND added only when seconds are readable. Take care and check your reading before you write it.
h=4 m=44 s=3
